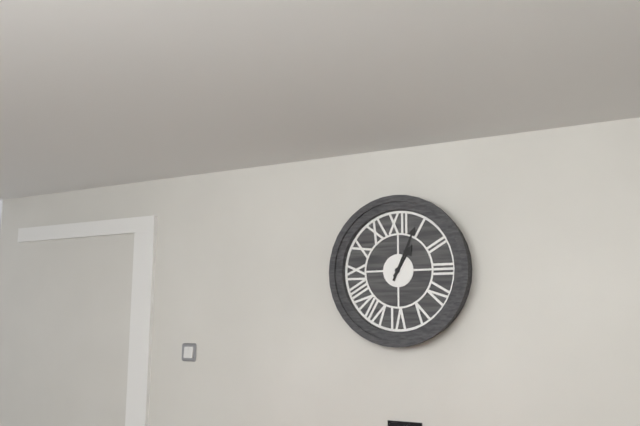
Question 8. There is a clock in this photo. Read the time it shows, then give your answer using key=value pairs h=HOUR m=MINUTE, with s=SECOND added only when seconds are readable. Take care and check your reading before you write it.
h=1 m=4
